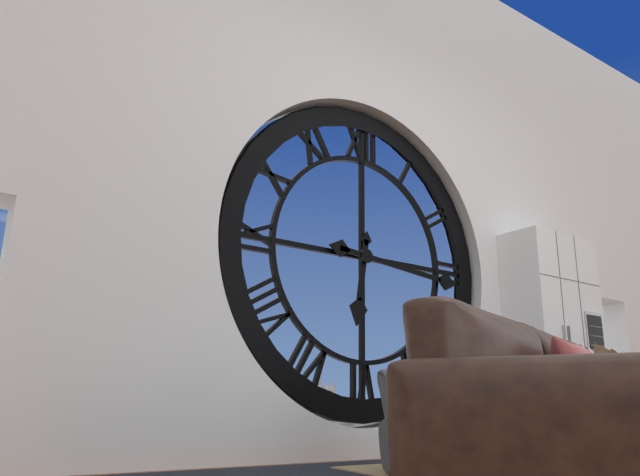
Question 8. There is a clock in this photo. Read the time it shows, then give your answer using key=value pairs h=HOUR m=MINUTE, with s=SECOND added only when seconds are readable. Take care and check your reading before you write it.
h=6 m=16
